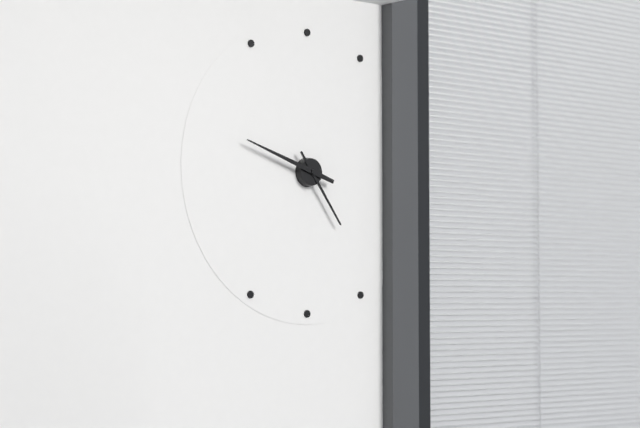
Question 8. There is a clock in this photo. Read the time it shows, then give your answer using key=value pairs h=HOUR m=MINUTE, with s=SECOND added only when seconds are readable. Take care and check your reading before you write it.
h=4 m=48
